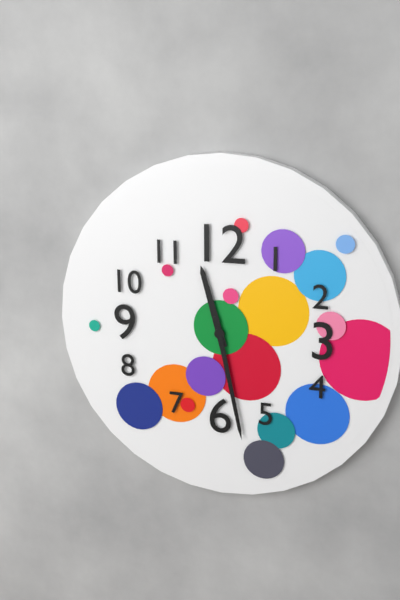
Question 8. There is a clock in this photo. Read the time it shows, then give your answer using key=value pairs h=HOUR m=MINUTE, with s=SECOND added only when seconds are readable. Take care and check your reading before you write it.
h=11 m=28
